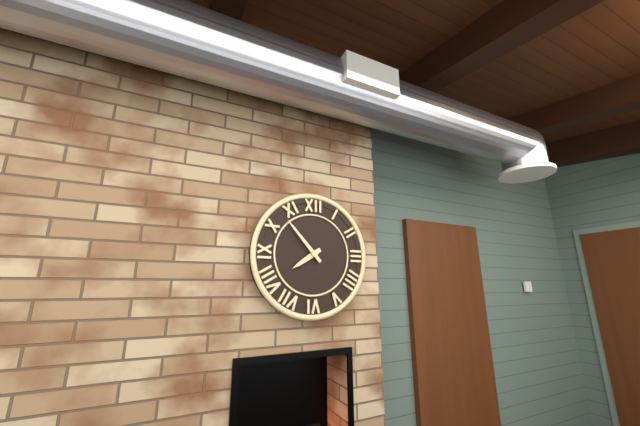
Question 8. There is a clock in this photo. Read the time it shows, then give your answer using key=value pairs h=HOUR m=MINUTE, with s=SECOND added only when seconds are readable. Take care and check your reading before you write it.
h=7 m=53
